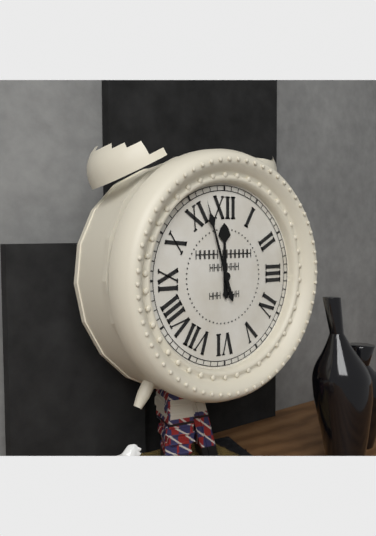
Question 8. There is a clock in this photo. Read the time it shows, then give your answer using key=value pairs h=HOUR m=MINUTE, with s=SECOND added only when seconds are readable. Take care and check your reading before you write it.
h=11 m=57
